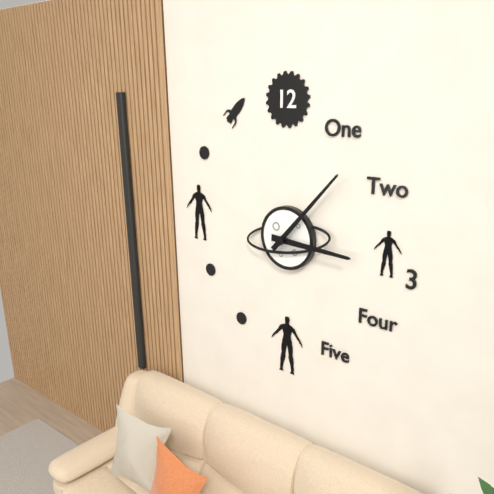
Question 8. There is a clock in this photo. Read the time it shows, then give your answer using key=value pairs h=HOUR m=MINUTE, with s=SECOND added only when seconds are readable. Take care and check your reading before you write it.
h=3 m=7
